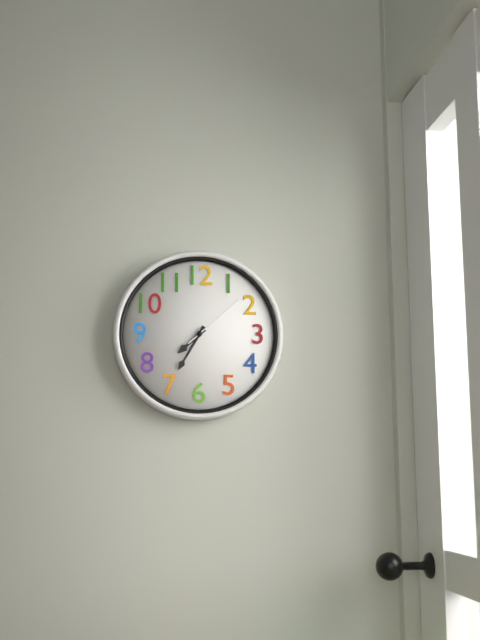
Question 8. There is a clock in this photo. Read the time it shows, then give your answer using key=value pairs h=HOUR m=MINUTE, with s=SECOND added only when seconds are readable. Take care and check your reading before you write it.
h=7 m=35 s=8
